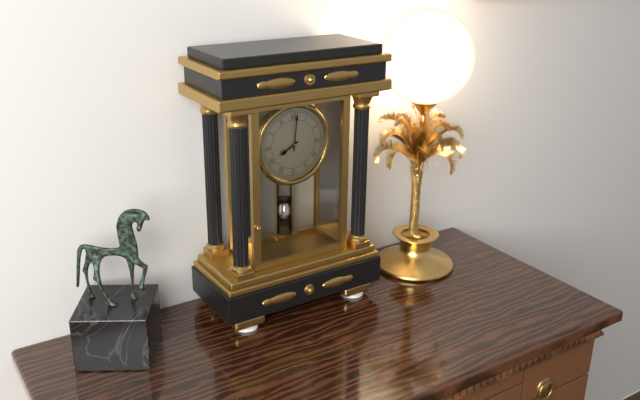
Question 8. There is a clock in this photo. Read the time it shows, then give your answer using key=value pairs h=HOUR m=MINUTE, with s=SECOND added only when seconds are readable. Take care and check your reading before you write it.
h=8 m=1
